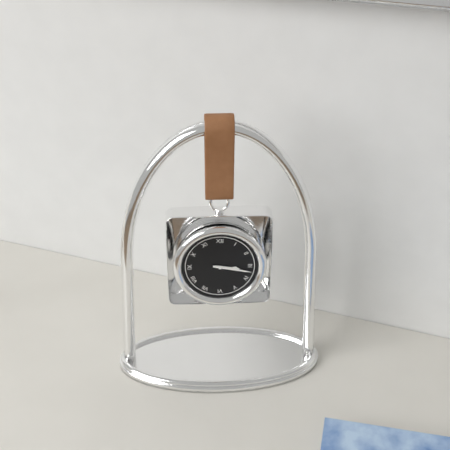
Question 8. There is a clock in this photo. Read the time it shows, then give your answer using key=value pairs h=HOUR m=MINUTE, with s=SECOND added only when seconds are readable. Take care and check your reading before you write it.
h=3 m=17
